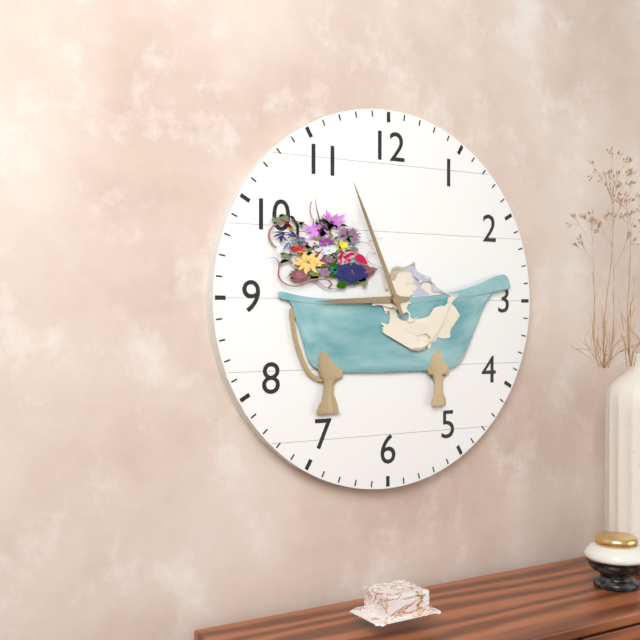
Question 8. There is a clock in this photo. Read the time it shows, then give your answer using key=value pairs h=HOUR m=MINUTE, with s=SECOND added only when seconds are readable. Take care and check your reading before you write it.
h=8 m=56
